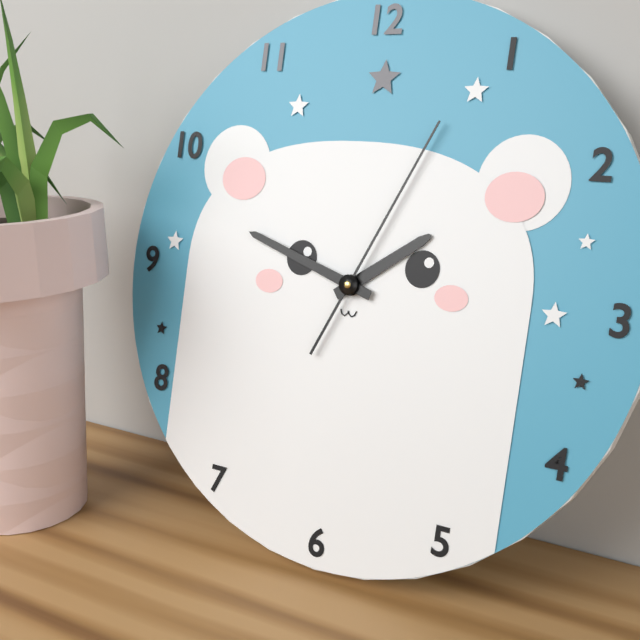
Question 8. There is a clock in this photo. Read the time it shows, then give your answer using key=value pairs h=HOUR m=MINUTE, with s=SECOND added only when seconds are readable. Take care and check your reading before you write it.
h=1 m=48 s=4
